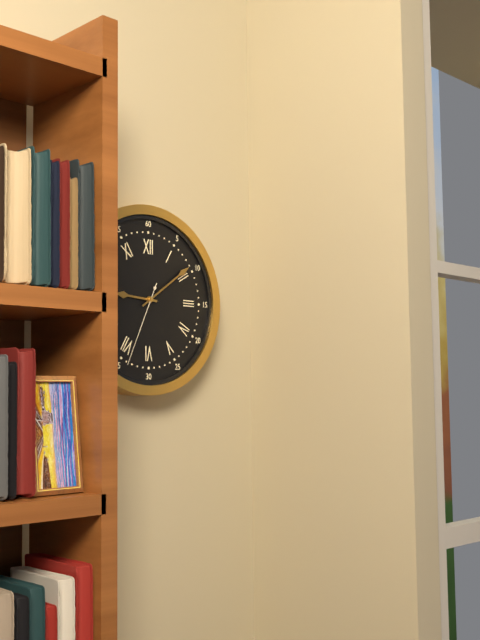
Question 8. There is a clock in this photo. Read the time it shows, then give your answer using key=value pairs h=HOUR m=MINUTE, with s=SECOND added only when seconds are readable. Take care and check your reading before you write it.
h=9 m=9 s=34
